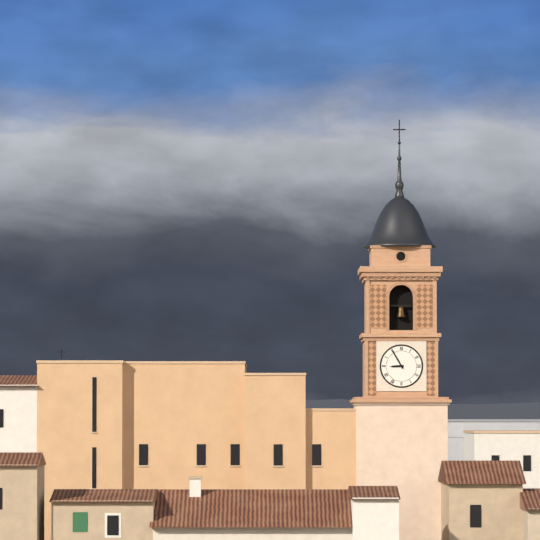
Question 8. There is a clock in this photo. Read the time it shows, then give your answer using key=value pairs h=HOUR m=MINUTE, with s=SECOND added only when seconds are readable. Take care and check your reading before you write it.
h=8 m=55
